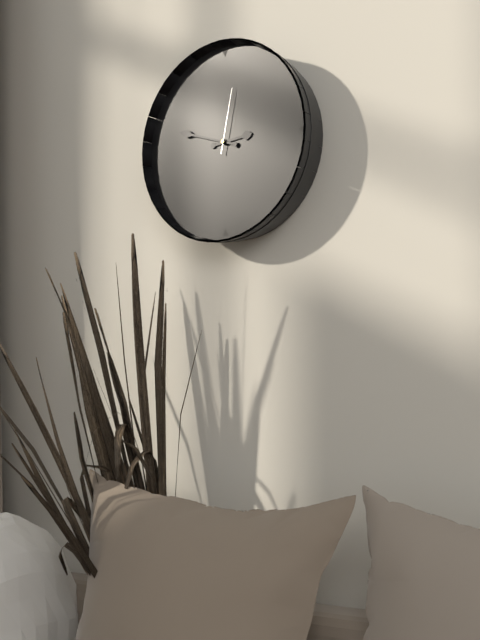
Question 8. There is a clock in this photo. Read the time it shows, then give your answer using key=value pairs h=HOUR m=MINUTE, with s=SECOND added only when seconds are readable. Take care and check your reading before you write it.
h=2 m=48 s=2
